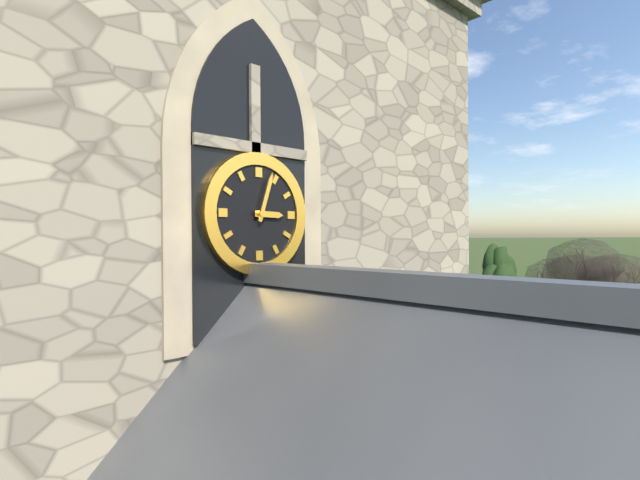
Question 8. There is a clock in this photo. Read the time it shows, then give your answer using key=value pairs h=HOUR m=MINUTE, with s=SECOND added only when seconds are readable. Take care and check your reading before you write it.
h=3 m=3
